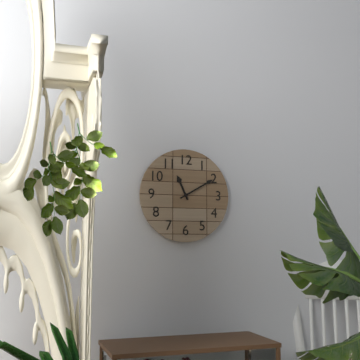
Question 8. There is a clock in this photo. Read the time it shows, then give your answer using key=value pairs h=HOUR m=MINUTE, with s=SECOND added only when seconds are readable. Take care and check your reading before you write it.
h=11 m=10
